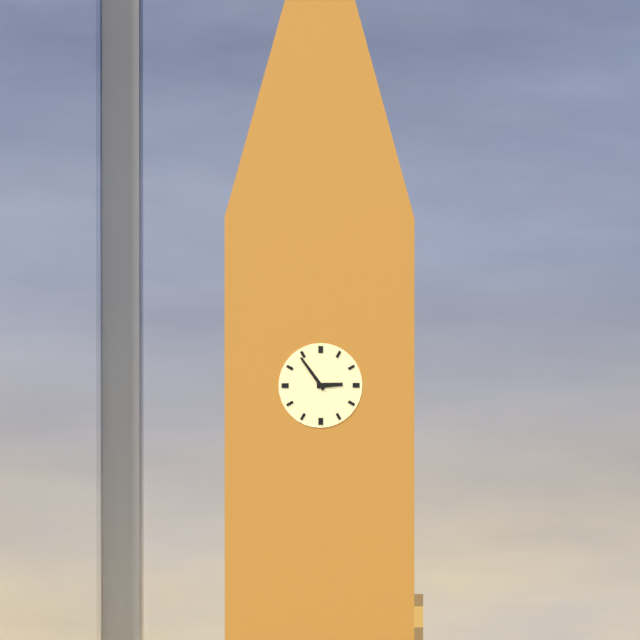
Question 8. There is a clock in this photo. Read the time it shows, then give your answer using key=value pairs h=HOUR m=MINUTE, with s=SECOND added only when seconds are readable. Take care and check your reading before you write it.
h=2 m=54
